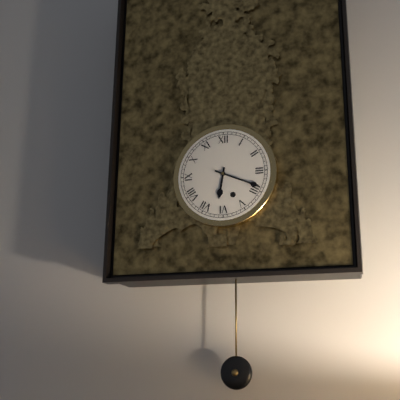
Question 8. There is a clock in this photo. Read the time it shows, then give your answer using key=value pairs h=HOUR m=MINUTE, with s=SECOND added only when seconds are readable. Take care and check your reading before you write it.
h=6 m=19
